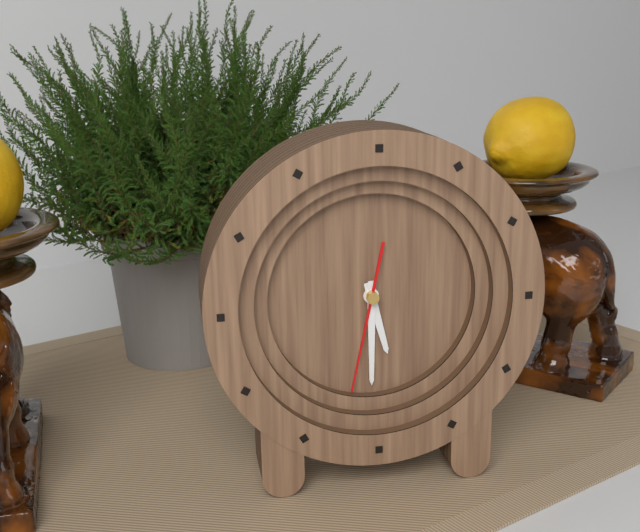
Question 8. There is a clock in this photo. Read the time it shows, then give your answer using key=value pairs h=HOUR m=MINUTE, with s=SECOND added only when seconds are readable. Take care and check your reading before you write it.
h=5 m=30 s=32
